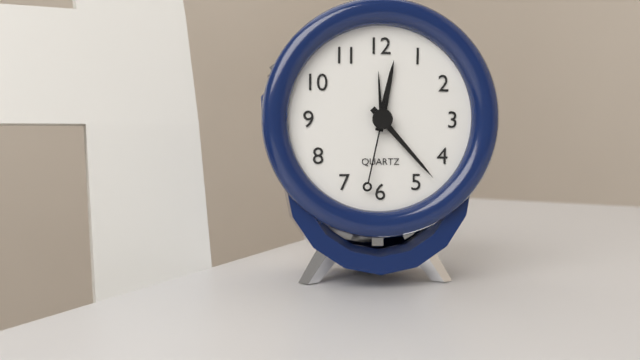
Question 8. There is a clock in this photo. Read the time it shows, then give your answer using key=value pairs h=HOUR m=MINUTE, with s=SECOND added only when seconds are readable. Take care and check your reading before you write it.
h=12 m=23 s=32
